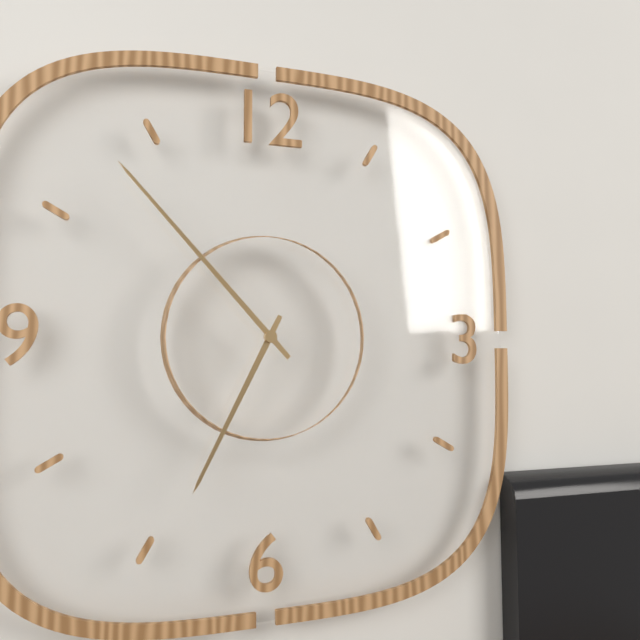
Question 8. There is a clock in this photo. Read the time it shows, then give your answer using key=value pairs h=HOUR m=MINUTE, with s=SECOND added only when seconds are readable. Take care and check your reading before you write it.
h=6 m=53
